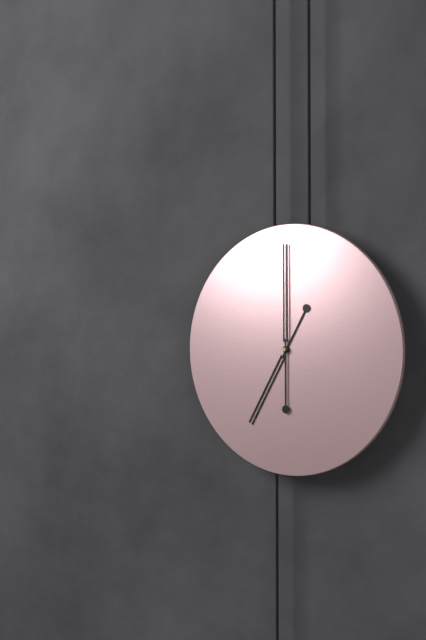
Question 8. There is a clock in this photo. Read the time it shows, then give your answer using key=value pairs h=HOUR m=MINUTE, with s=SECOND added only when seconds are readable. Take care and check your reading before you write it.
h=7 m=0
